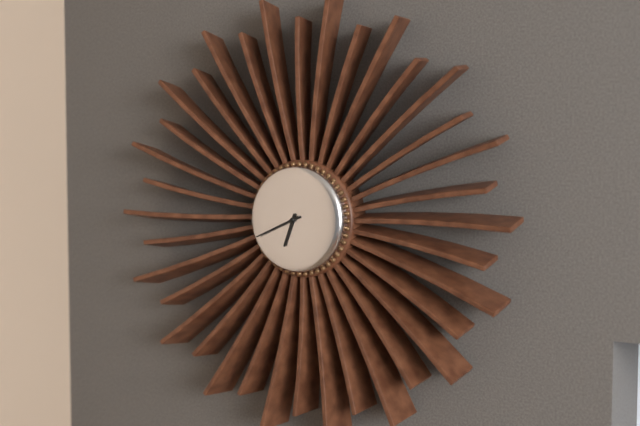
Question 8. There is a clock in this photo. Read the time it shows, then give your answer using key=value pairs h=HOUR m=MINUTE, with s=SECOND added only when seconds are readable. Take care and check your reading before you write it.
h=6 m=41
